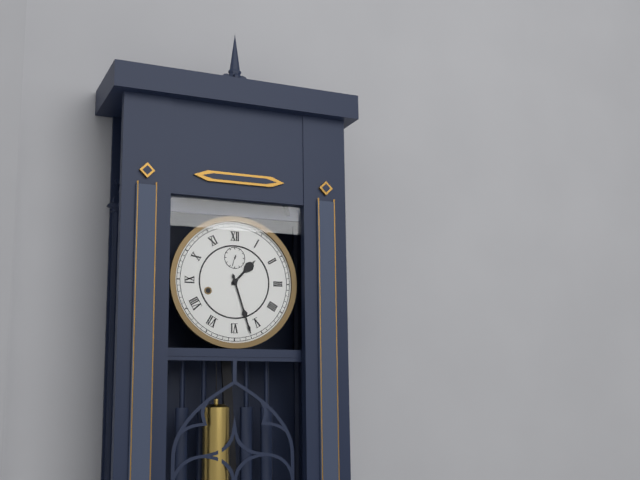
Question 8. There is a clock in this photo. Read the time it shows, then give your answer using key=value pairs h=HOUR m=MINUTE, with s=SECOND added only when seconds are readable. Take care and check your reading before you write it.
h=1 m=27
